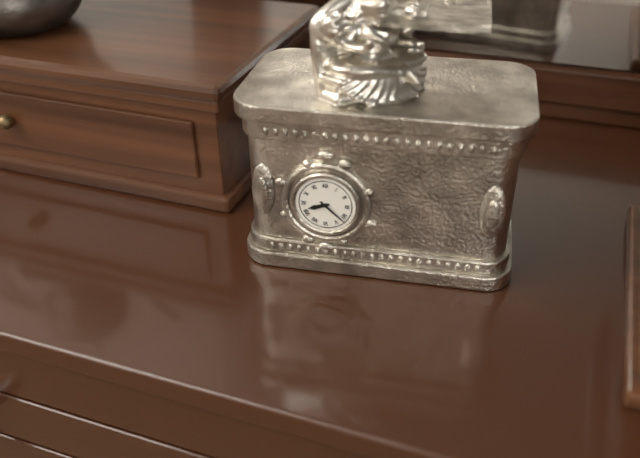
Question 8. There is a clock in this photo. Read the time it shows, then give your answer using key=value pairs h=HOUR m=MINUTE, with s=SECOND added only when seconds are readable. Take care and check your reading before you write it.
h=8 m=22
